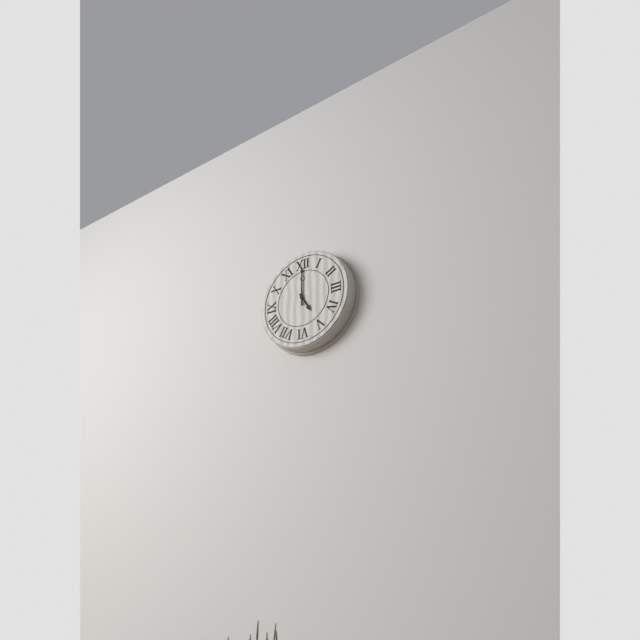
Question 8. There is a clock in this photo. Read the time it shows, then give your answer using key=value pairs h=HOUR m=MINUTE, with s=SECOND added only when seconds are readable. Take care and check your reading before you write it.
h=5 m=0
